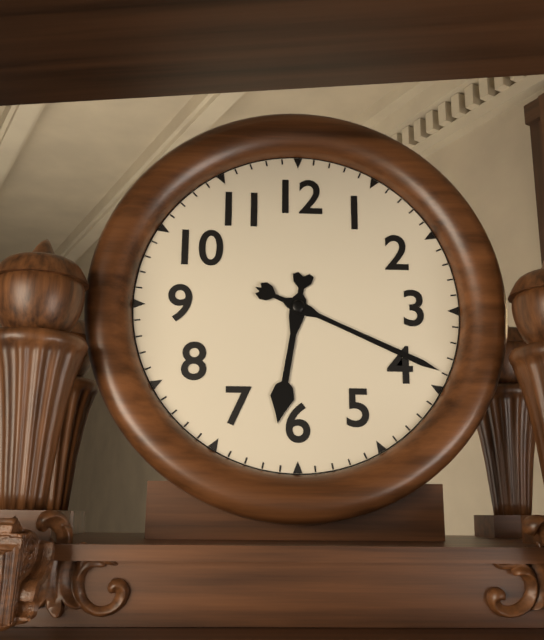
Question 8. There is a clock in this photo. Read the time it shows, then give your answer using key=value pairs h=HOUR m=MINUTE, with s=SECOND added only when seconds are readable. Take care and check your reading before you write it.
h=6 m=19
